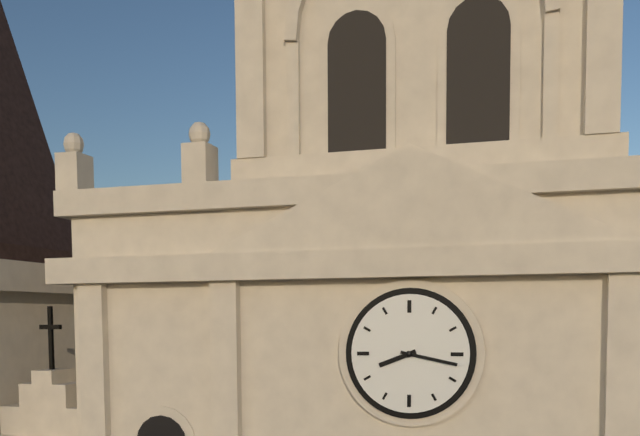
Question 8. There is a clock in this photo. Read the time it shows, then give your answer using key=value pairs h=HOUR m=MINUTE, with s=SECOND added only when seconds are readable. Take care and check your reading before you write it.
h=8 m=17
